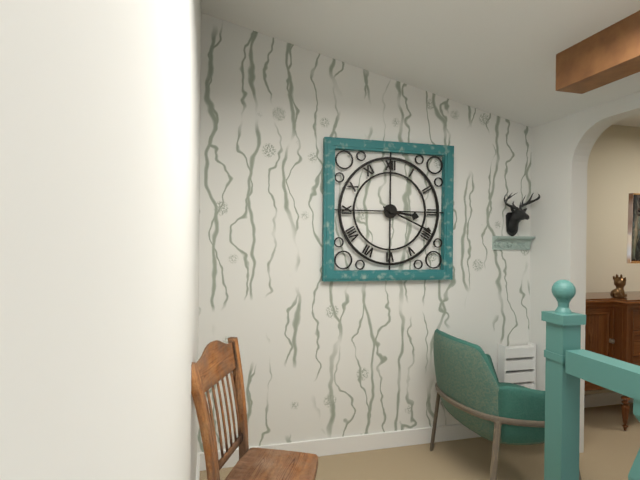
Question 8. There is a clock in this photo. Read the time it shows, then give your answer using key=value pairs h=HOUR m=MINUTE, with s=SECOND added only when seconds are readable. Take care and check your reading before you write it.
h=3 m=19
